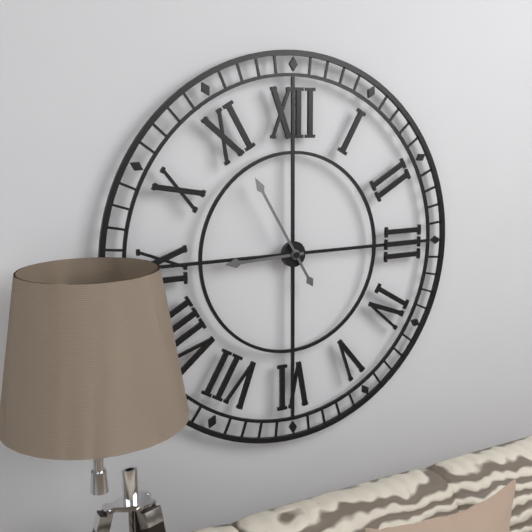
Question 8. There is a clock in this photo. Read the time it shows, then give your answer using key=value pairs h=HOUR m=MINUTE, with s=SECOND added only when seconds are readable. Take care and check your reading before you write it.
h=8 m=55
